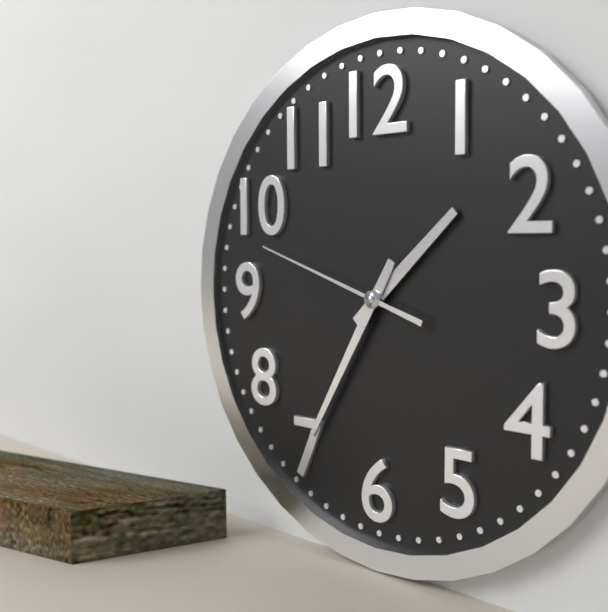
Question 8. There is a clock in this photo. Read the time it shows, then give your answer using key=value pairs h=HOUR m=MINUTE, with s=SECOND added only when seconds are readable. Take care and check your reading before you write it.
h=1 m=35 s=48
